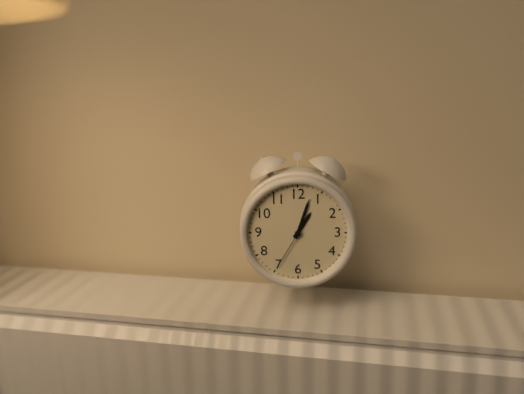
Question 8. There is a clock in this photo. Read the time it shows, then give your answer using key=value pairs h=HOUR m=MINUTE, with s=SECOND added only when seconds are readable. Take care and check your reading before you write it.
h=1 m=3
